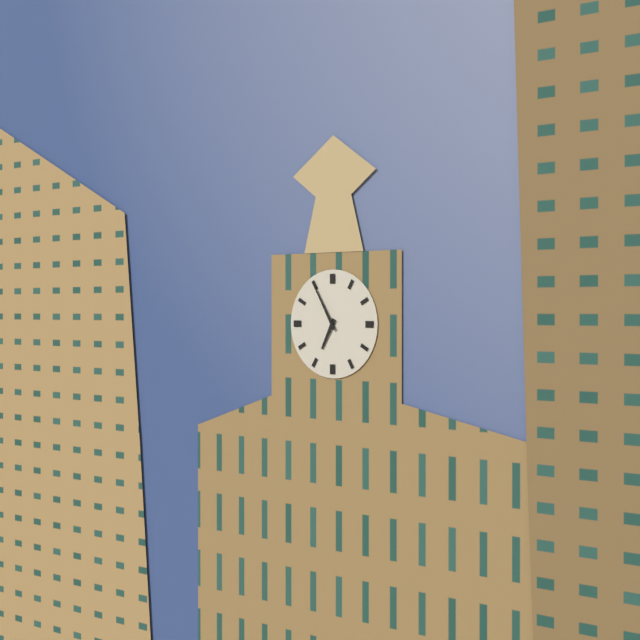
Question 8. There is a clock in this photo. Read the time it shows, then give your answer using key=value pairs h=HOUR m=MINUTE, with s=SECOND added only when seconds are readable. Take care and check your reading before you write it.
h=6 m=55
